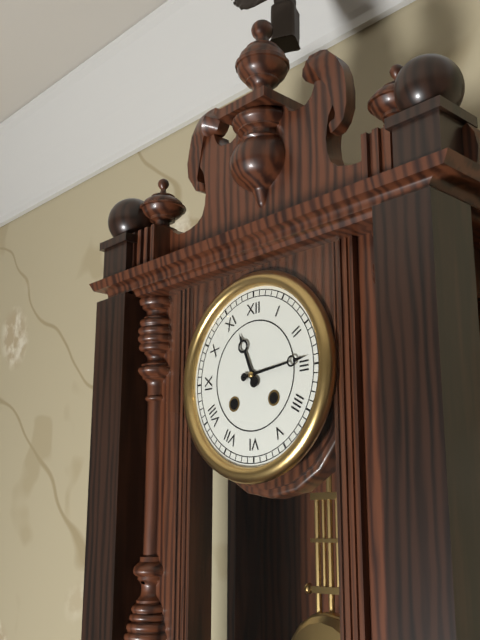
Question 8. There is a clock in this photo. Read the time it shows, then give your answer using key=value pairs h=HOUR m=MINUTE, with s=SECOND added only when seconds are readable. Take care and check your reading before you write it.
h=11 m=14
